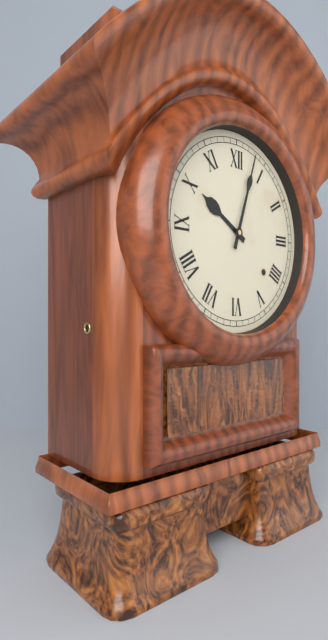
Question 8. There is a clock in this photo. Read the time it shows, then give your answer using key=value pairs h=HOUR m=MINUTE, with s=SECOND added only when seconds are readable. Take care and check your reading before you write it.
h=10 m=3
